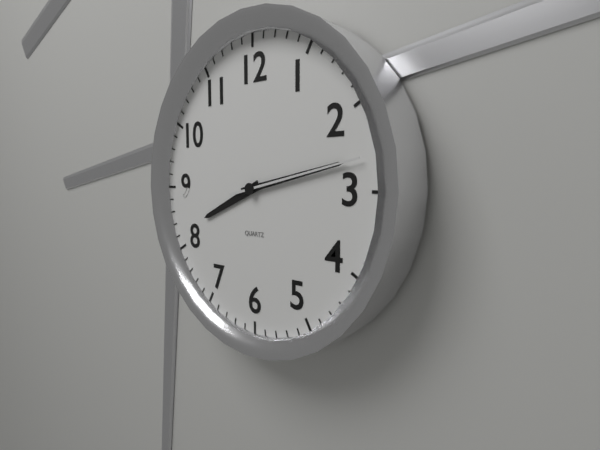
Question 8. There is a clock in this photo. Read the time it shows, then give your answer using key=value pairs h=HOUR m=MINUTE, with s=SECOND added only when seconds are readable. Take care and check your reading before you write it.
h=8 m=13 s=13
